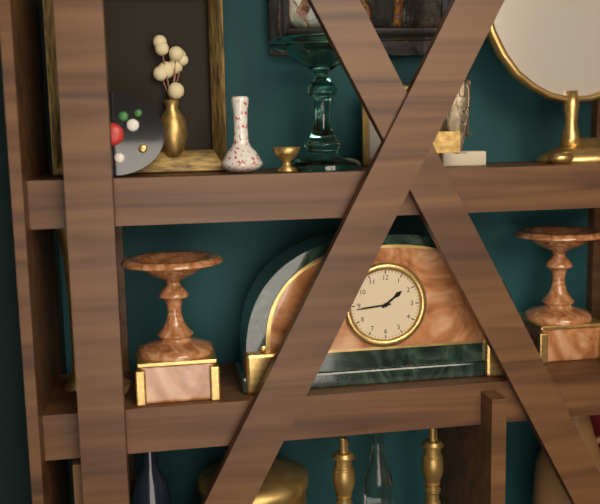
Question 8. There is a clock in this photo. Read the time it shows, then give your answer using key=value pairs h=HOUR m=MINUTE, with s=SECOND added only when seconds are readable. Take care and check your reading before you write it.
h=1 m=44
